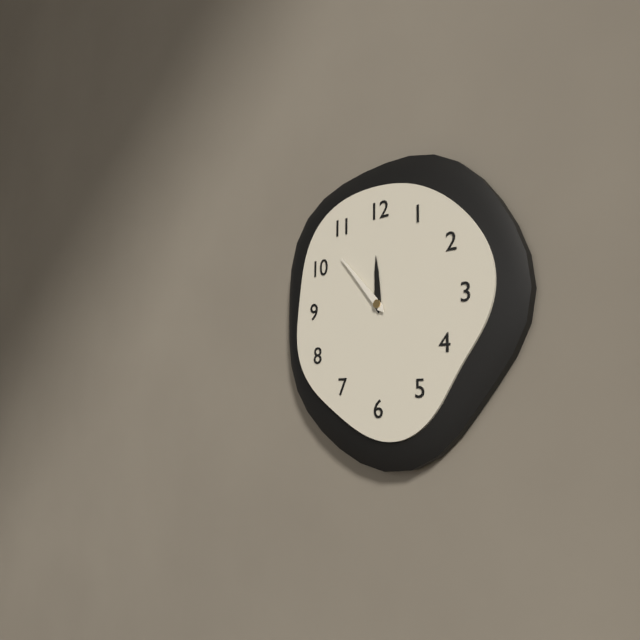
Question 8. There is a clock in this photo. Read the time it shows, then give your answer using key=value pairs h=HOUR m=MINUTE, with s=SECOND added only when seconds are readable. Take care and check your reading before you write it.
h=11 m=53
